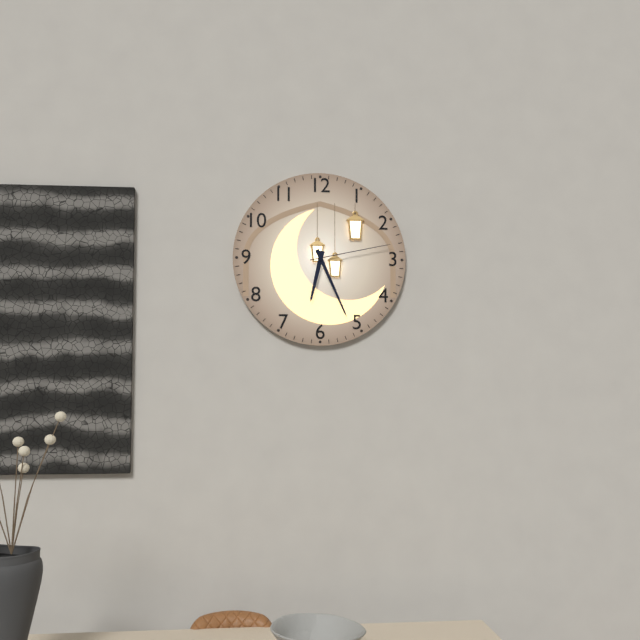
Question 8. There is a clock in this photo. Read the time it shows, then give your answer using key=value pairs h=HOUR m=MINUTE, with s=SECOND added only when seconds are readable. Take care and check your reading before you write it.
h=6 m=26 s=13
